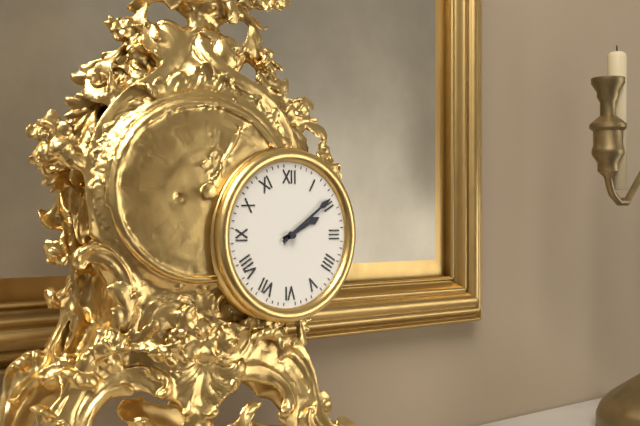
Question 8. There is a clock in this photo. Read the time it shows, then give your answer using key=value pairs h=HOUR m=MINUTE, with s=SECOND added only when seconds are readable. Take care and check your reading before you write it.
h=2 m=9
